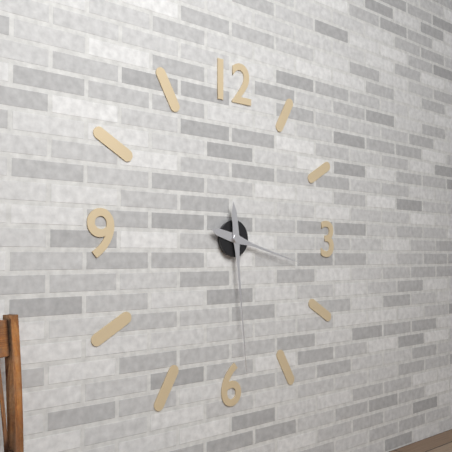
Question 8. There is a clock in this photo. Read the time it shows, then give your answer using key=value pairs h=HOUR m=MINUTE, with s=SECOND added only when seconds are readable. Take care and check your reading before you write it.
h=3 m=29
